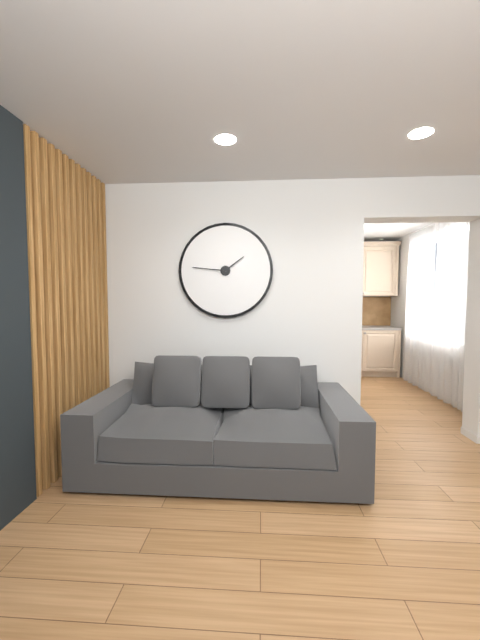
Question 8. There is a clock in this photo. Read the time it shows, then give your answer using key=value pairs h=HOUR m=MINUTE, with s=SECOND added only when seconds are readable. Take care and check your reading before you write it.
h=1 m=46
